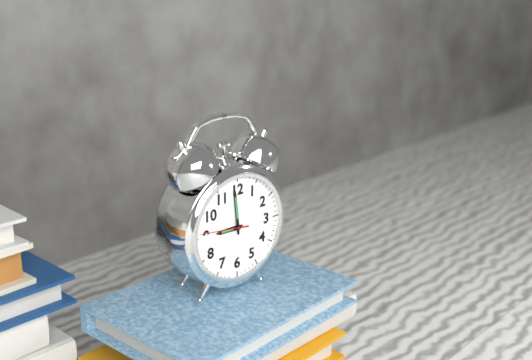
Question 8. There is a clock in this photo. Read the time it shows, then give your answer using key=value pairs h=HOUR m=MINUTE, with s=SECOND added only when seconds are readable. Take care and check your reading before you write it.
h=8 m=59 s=46
